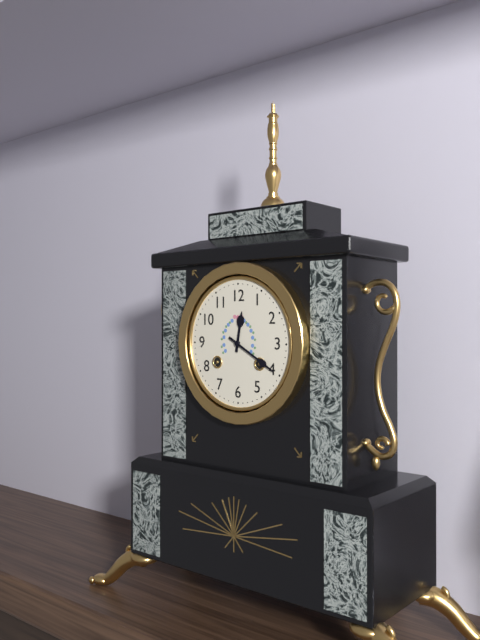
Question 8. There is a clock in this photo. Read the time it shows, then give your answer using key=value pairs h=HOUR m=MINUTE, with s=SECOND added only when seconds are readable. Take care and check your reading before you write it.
h=12 m=20
